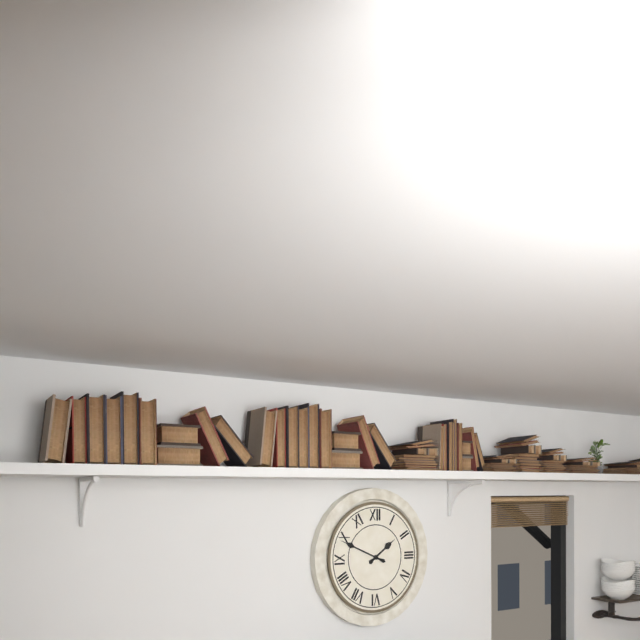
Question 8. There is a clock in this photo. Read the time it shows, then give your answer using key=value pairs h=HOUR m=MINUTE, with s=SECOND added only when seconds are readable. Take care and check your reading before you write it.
h=1 m=49
